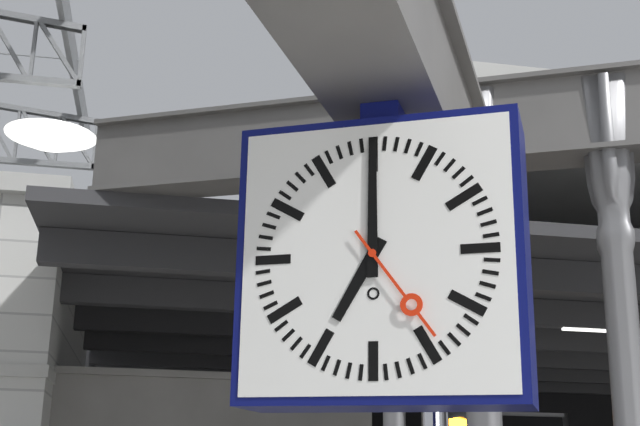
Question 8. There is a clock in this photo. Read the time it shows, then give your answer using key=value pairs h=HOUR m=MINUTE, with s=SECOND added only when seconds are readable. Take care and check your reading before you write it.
h=7 m=0 s=24
